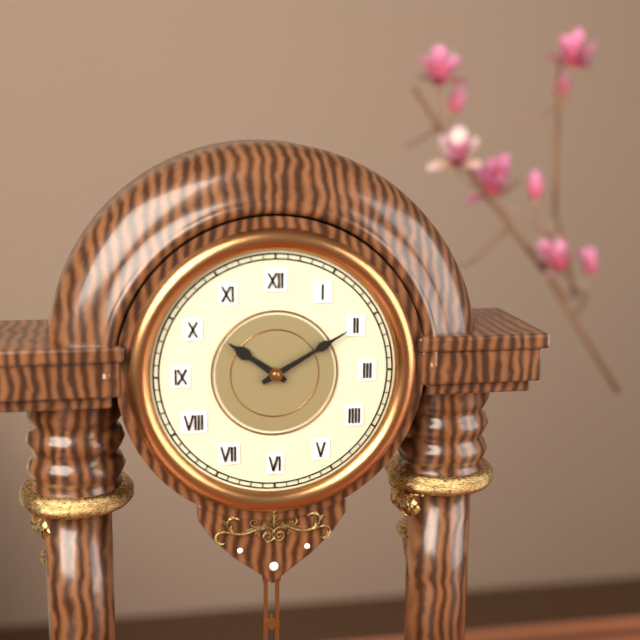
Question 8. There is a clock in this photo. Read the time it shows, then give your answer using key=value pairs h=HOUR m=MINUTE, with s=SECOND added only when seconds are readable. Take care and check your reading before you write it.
h=10 m=10
